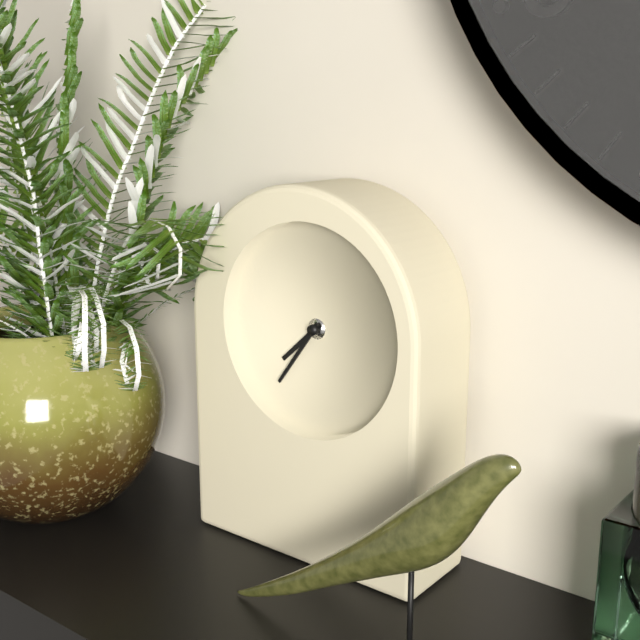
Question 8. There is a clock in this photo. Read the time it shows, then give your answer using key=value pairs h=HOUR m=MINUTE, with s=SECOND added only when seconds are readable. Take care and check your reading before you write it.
h=7 m=36
